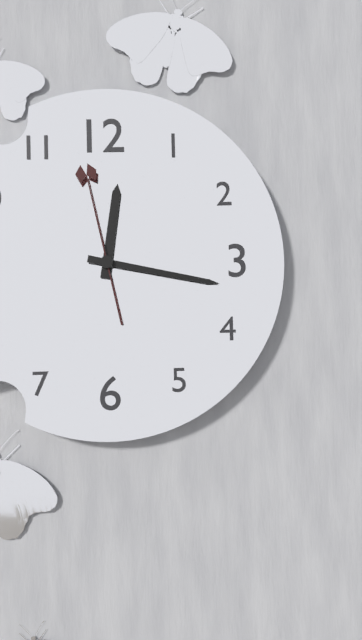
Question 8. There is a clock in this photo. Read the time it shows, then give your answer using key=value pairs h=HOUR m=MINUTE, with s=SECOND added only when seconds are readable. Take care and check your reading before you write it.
h=12 m=17 s=58
